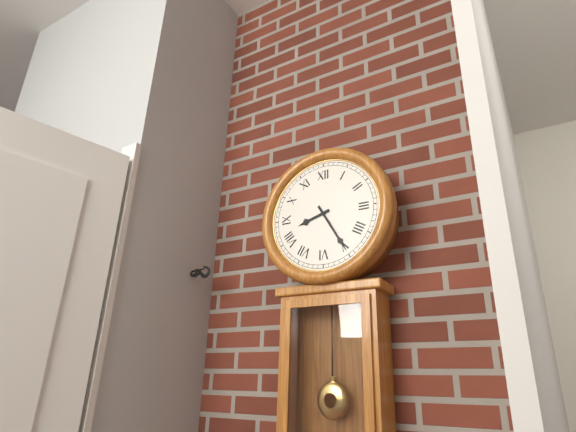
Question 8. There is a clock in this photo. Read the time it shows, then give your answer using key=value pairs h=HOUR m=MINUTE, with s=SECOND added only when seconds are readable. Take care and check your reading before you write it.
h=8 m=25
